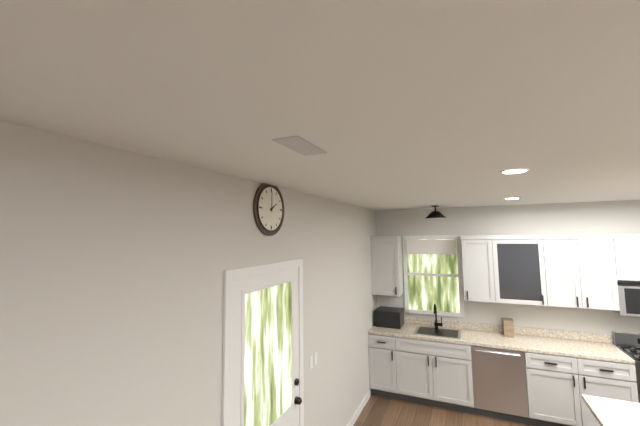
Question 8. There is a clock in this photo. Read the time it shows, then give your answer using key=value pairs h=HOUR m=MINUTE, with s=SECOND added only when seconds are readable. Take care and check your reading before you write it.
h=2 m=0
